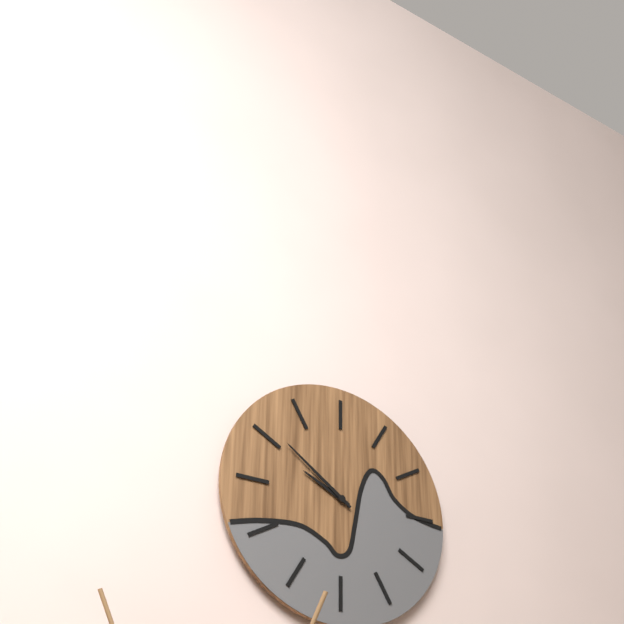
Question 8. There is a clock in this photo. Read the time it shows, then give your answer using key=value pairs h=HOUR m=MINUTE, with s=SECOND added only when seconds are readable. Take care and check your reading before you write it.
h=9 m=51
